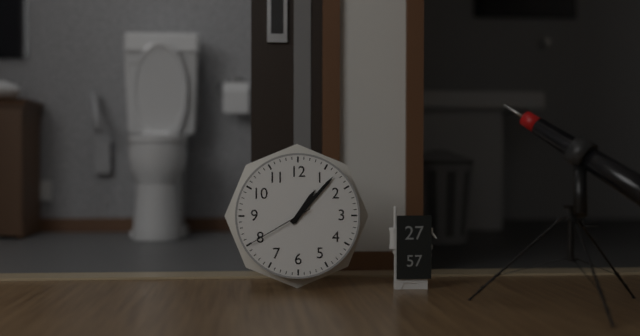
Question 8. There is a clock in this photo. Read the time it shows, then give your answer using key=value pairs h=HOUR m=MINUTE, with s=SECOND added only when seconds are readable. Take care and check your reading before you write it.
h=1 m=7 s=40
